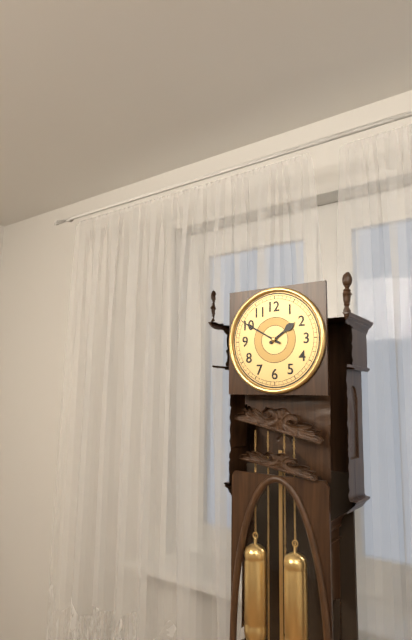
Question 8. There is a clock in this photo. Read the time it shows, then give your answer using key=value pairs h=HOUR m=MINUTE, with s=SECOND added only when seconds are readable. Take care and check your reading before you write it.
h=1 m=50
